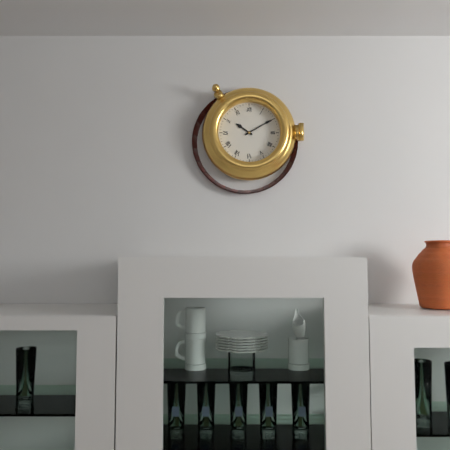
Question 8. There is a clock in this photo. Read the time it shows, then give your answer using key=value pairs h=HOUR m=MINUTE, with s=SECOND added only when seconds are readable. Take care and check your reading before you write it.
h=10 m=10
